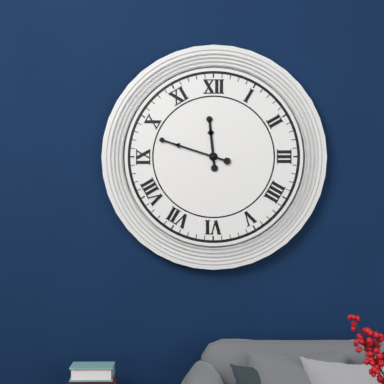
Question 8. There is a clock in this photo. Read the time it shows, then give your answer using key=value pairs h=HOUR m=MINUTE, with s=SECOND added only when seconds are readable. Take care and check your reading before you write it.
h=11 m=48
